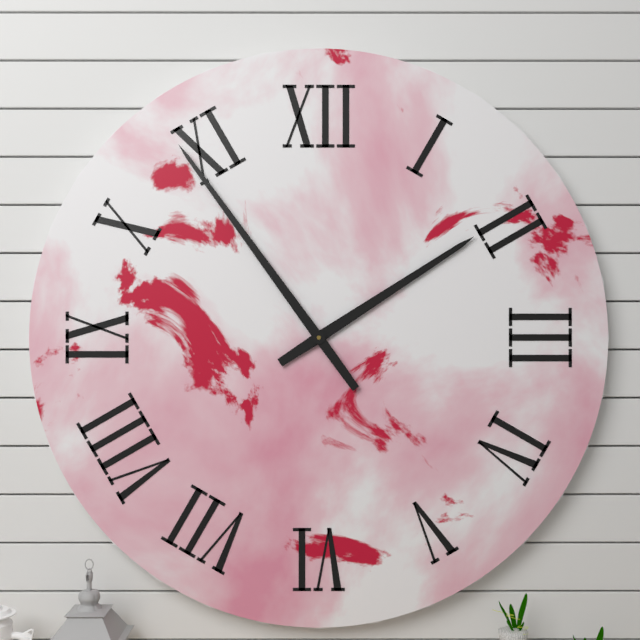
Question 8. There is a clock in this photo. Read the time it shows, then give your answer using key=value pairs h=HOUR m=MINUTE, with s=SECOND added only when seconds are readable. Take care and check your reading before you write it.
h=1 m=54
